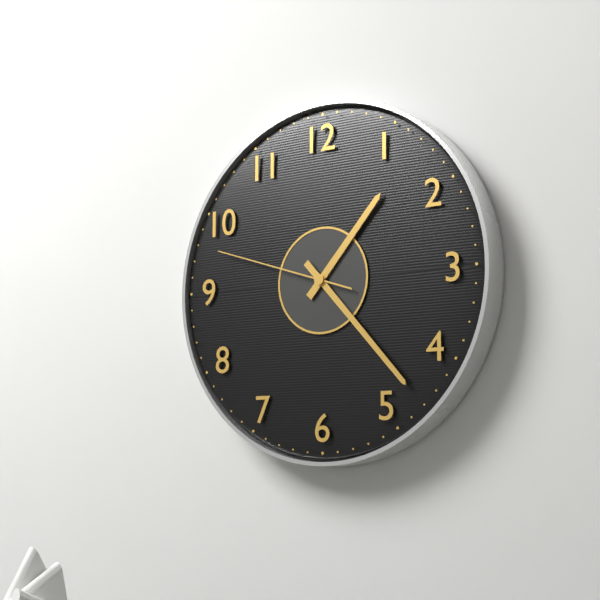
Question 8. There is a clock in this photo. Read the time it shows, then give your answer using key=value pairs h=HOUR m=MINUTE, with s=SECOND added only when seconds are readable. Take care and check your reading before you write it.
h=1 m=23 s=48
